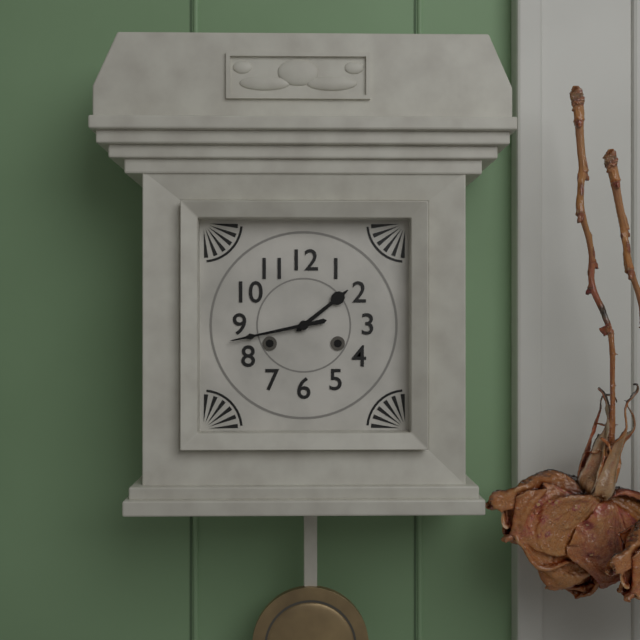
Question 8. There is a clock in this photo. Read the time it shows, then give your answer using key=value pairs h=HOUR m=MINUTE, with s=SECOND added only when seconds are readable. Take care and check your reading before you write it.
h=1 m=43
